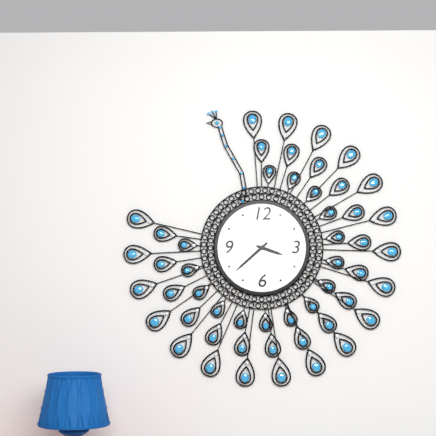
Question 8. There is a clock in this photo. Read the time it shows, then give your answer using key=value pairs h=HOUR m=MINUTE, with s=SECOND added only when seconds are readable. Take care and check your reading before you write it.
h=3 m=38
